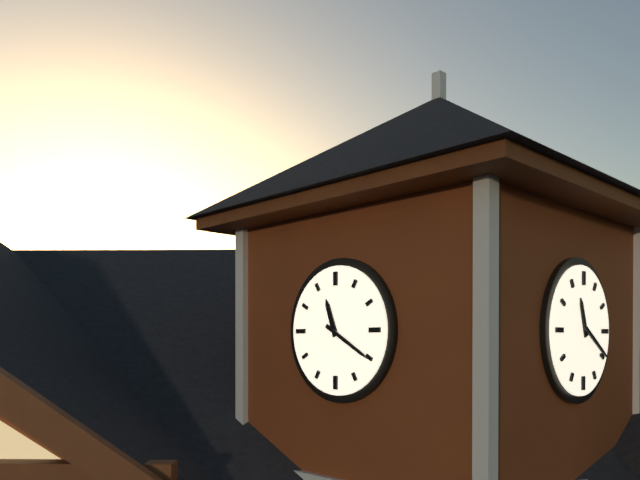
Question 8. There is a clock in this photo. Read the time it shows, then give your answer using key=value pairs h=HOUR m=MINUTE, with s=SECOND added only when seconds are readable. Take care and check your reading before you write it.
h=11 m=20
